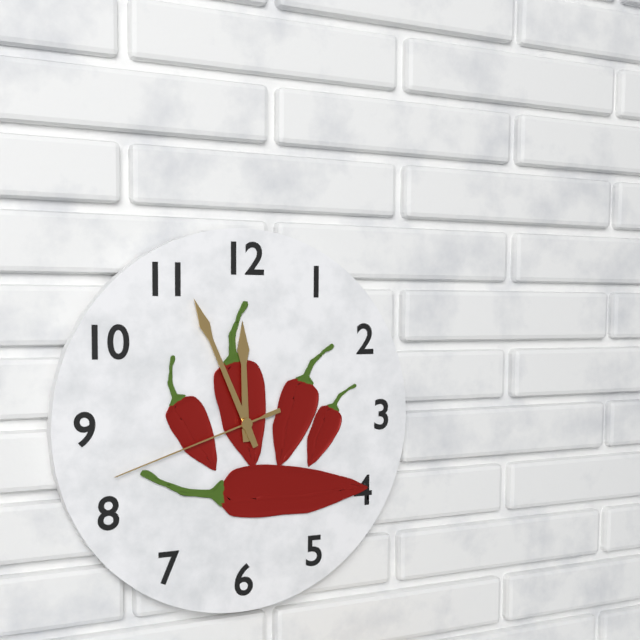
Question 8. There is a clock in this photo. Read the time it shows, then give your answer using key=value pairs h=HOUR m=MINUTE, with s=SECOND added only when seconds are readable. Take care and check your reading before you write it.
h=11 m=56 s=42
